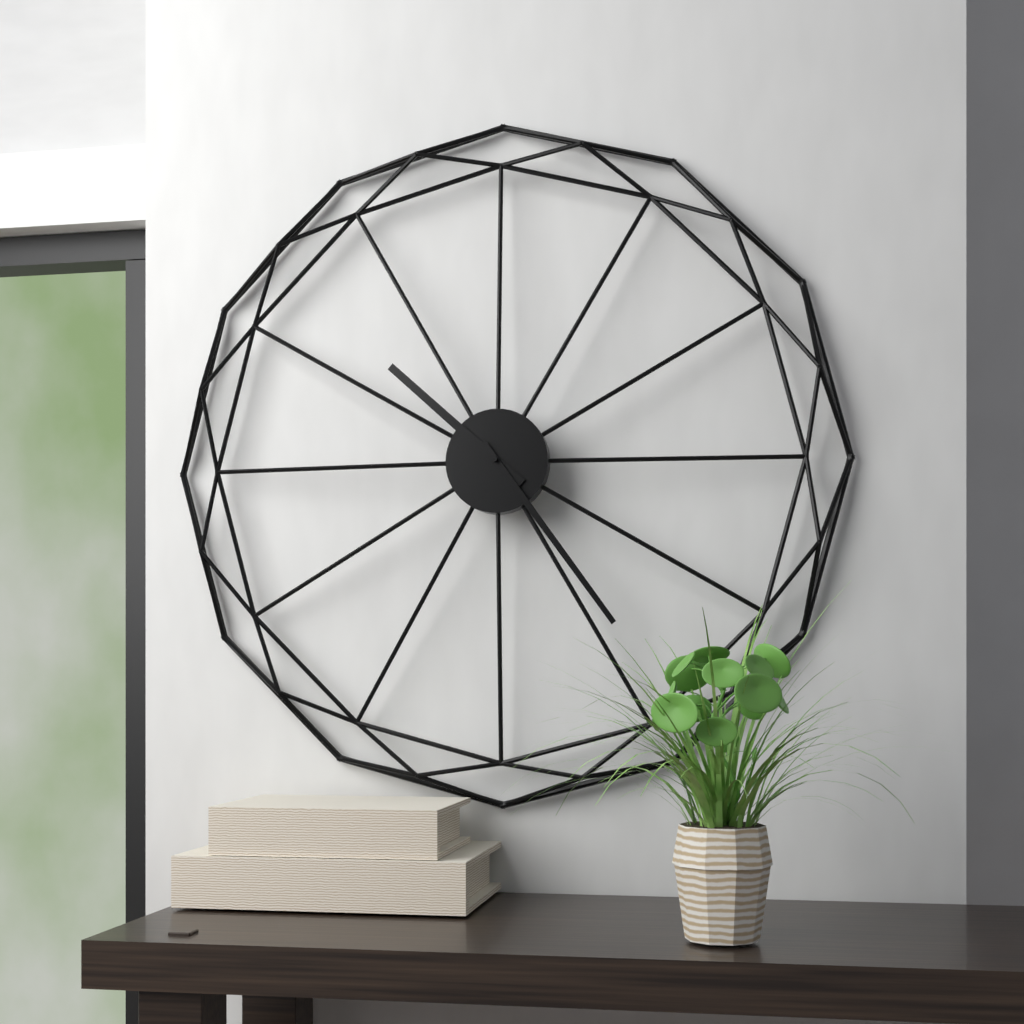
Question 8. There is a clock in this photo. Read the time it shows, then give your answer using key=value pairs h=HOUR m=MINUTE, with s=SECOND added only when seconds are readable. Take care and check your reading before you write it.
h=10 m=24
